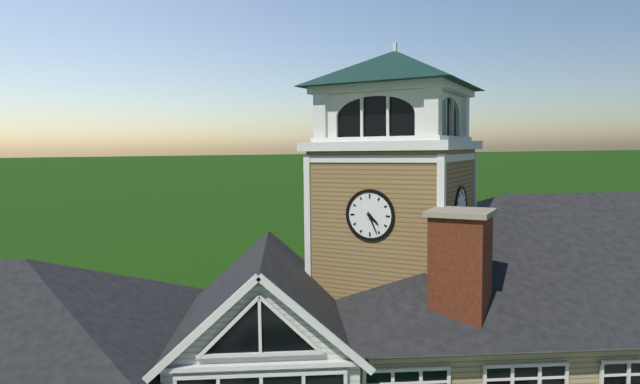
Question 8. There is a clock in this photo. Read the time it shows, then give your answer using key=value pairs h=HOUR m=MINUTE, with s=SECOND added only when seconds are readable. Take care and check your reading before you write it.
h=4 m=26
